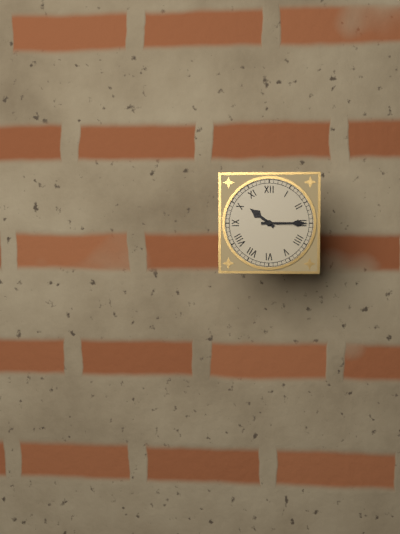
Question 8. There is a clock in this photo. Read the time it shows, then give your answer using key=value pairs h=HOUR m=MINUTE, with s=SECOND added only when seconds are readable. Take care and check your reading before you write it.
h=10 m=15
